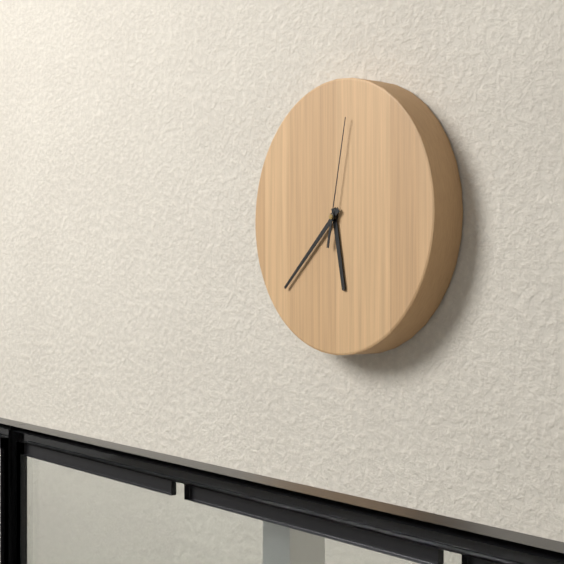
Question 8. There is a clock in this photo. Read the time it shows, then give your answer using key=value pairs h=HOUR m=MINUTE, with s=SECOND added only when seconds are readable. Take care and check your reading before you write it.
h=5 m=38 s=2
